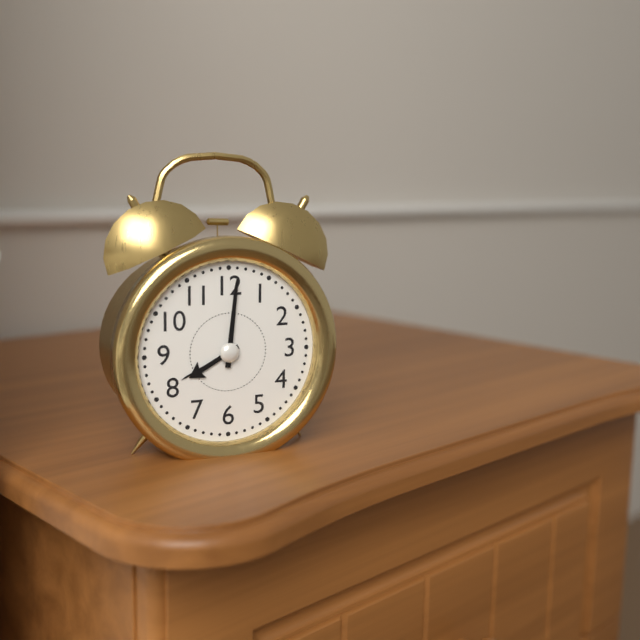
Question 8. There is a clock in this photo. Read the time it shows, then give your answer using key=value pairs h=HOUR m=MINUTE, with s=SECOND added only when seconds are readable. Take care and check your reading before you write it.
h=8 m=1
